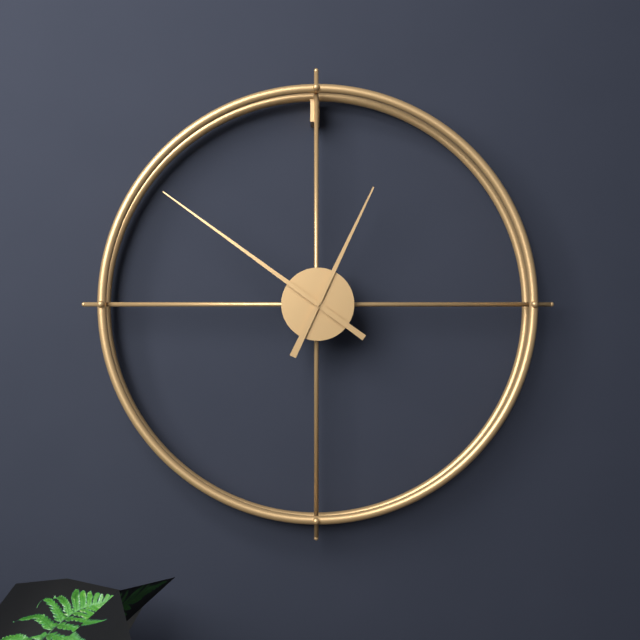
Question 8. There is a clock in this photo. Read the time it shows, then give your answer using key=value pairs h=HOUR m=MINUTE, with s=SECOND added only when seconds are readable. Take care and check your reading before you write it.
h=12 m=51
